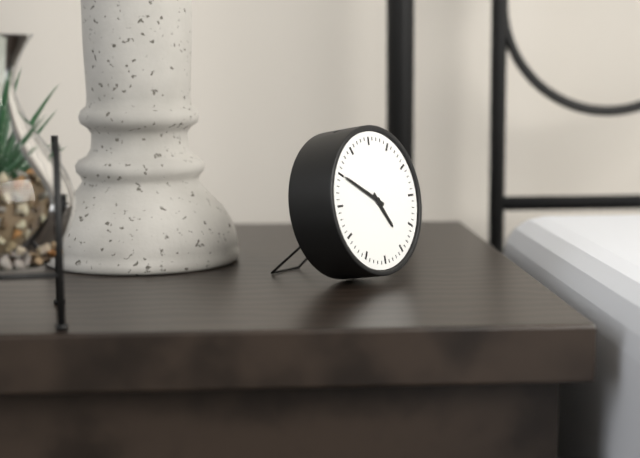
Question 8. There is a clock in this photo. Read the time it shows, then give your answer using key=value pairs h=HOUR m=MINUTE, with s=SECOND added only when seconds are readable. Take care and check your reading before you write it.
h=4 m=50
